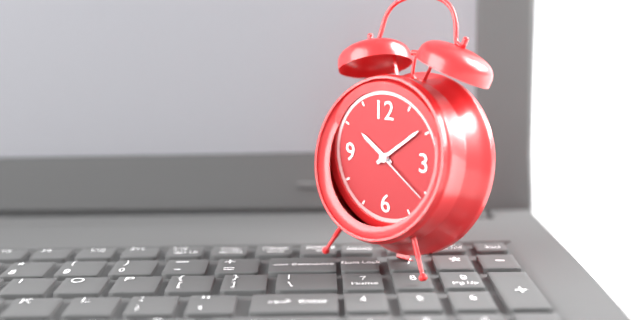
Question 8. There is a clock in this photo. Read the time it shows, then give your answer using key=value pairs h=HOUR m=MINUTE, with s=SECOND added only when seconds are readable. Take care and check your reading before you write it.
h=10 m=9 s=21
